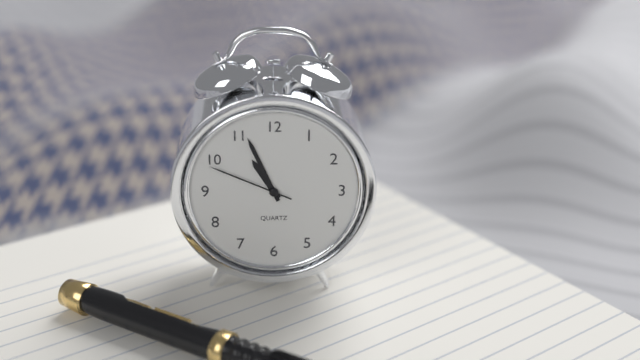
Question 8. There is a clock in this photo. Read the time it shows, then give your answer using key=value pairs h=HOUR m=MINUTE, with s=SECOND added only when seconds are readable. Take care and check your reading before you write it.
h=10 m=56 s=49
